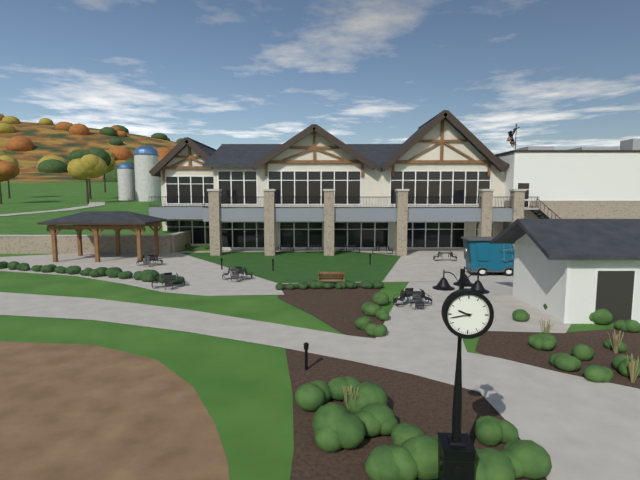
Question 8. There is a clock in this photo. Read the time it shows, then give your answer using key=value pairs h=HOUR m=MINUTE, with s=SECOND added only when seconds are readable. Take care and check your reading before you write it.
h=9 m=43
